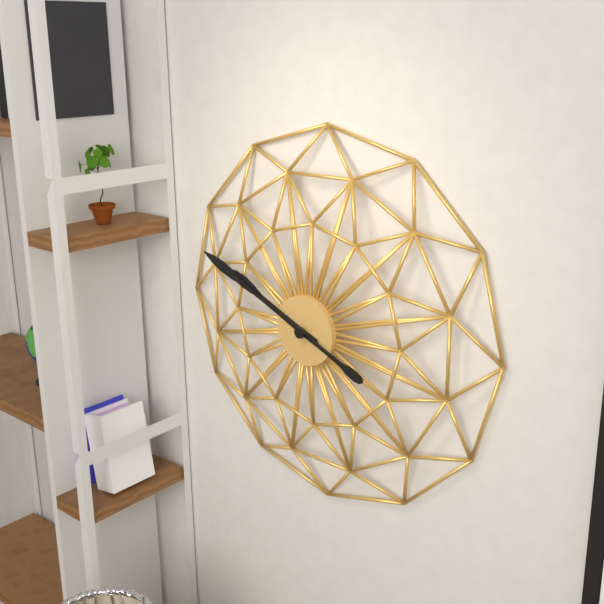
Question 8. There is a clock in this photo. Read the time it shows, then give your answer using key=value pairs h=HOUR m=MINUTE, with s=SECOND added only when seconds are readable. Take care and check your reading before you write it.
h=9 m=49
